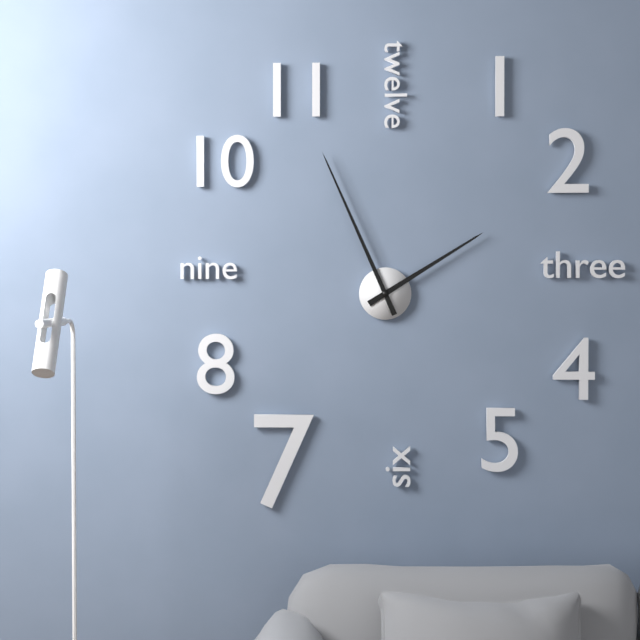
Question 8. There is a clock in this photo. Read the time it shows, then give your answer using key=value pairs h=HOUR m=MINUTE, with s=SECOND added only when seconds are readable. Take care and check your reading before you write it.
h=1 m=56
